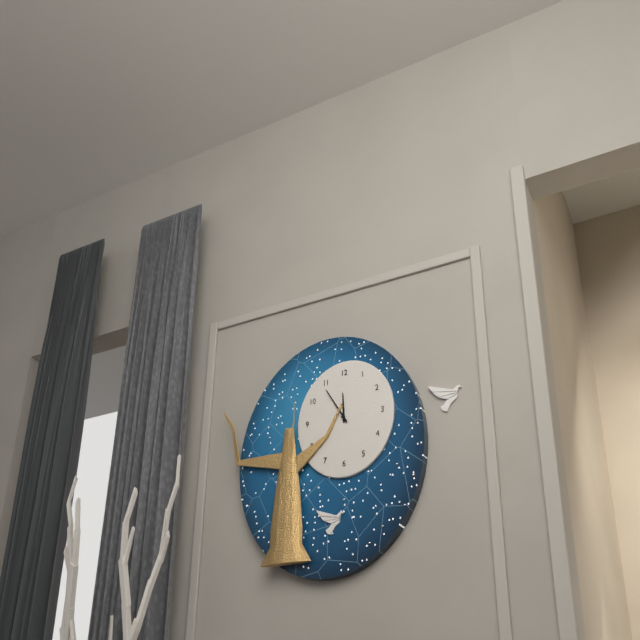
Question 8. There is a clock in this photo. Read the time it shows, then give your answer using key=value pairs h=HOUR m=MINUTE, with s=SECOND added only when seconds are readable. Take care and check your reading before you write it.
h=11 m=55
